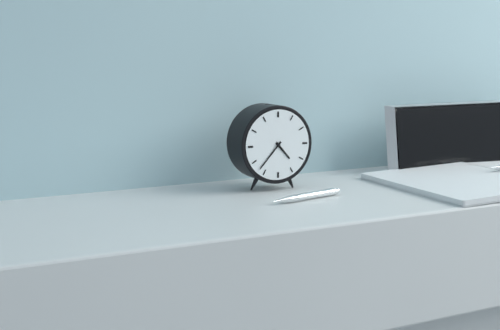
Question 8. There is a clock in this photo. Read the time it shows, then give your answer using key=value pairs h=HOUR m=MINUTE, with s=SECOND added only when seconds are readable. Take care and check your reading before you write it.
h=4 m=37
